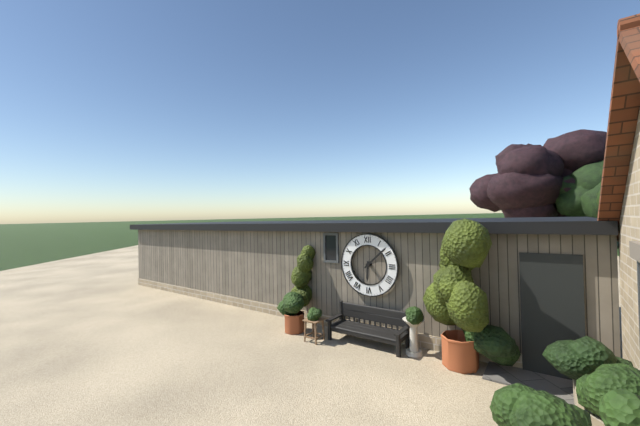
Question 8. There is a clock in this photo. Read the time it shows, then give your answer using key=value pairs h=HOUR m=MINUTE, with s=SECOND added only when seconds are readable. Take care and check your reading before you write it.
h=6 m=8
